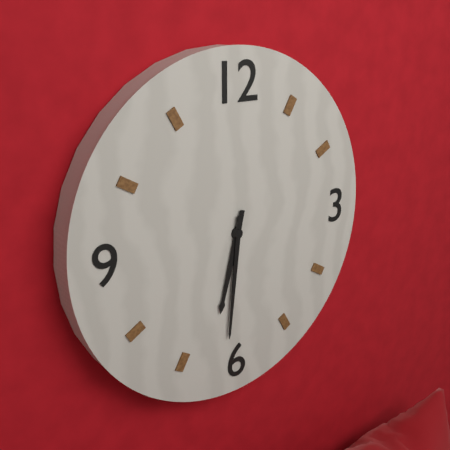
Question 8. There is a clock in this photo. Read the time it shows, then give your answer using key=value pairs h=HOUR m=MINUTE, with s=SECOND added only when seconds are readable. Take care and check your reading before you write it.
h=6 m=31
